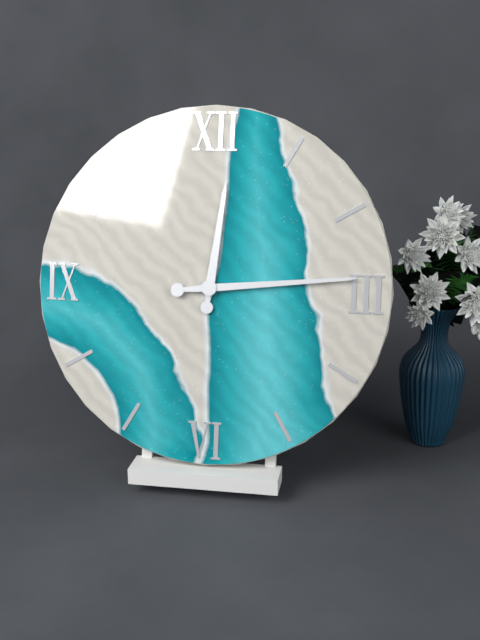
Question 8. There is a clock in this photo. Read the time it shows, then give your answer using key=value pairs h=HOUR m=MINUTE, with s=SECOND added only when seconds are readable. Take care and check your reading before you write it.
h=12 m=14
